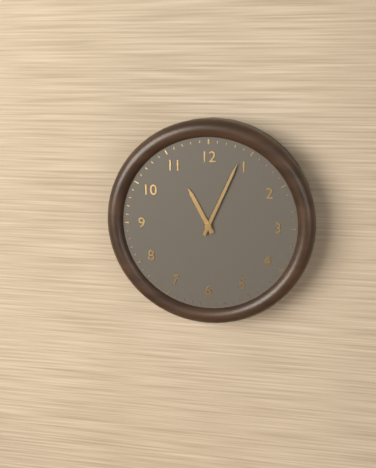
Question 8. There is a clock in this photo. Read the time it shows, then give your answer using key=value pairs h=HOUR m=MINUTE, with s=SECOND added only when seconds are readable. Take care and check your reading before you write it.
h=11 m=4
